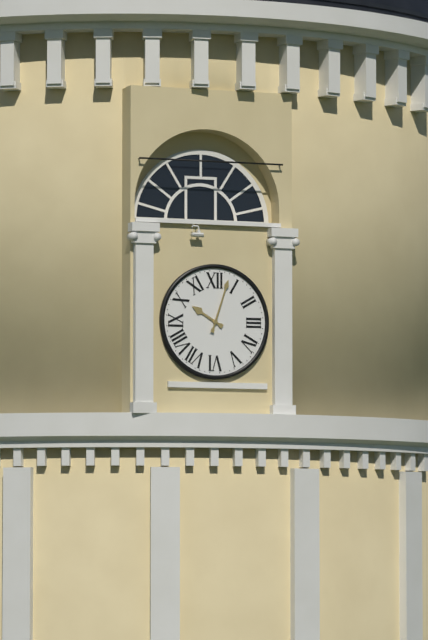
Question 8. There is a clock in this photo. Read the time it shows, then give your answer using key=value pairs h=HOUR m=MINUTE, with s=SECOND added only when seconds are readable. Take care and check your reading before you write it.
h=10 m=3
